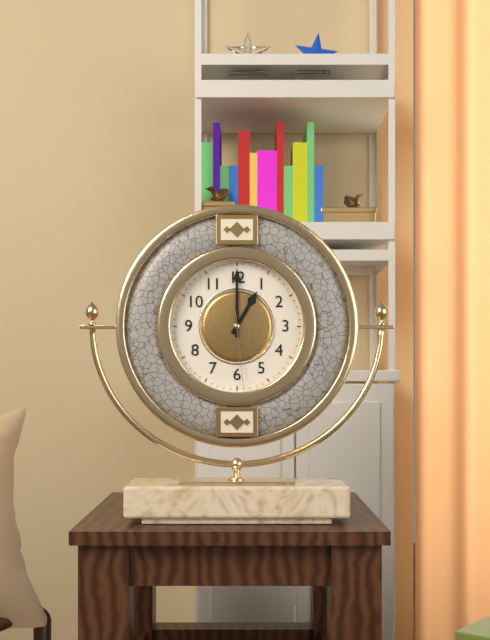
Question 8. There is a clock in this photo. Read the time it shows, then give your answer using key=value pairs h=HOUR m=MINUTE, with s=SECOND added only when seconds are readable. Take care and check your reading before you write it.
h=1 m=0 s=29
